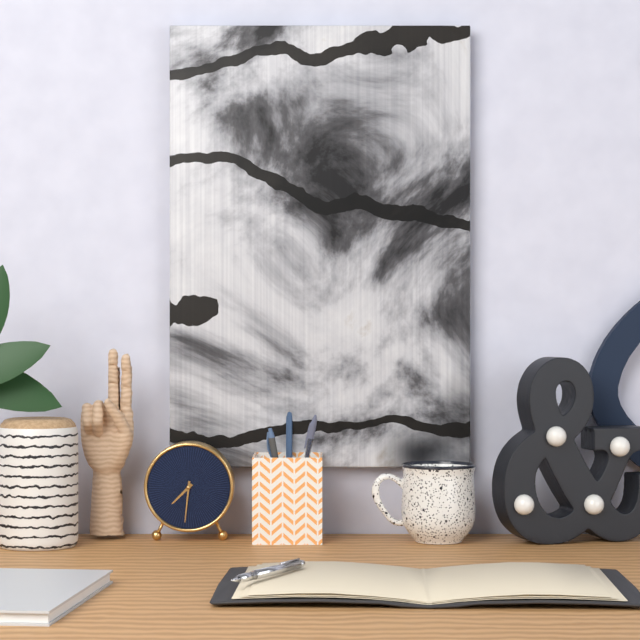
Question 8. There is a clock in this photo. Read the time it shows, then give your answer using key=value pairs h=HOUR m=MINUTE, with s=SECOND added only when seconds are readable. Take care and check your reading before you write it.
h=7 m=31
